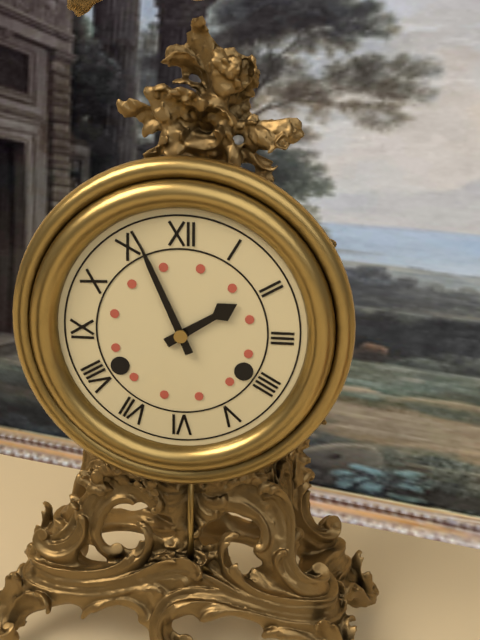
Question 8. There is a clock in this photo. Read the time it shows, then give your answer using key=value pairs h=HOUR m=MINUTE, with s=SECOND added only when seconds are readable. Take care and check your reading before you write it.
h=1 m=56
